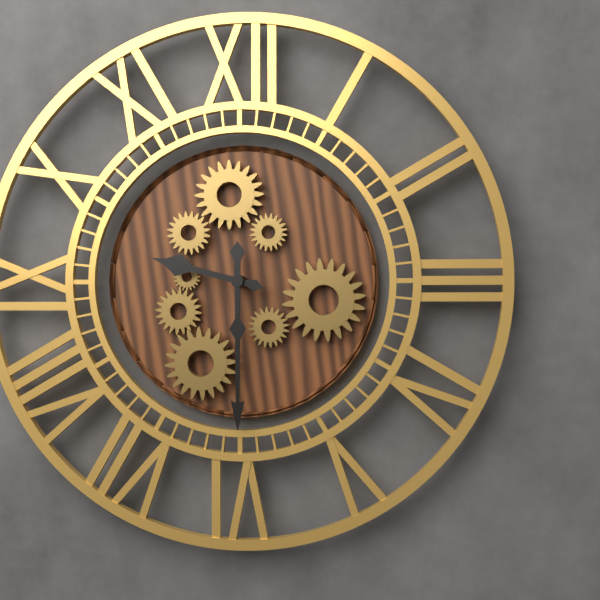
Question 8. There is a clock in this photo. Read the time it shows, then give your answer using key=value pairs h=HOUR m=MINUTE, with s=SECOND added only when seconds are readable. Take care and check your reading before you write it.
h=9 m=30
